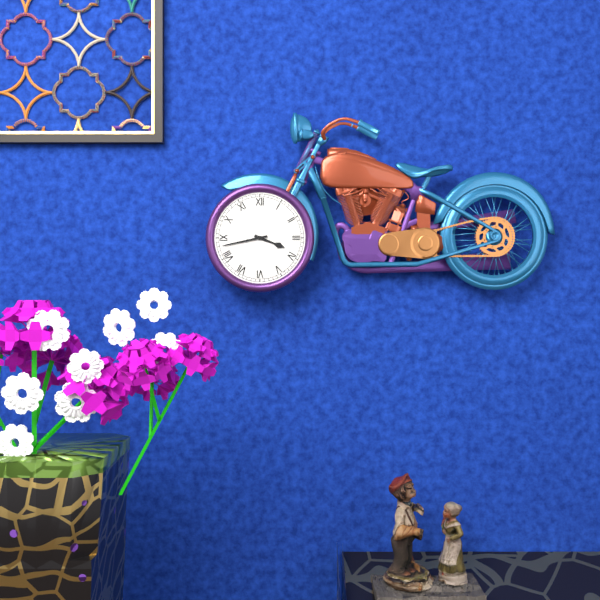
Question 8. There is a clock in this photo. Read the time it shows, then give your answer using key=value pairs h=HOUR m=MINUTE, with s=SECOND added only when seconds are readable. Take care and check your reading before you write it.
h=3 m=43
